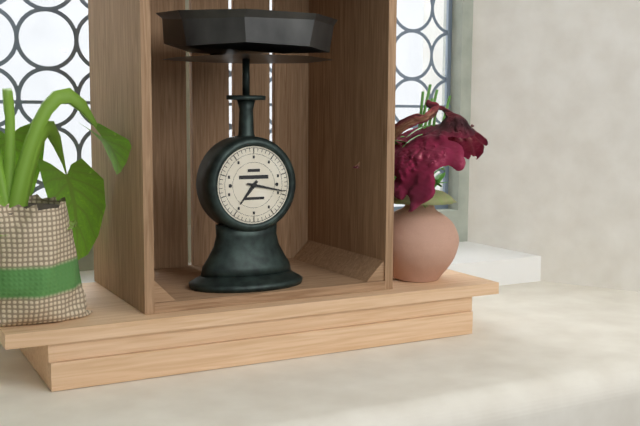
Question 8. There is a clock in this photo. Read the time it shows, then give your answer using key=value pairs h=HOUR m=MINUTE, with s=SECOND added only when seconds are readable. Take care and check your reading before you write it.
h=7 m=17
